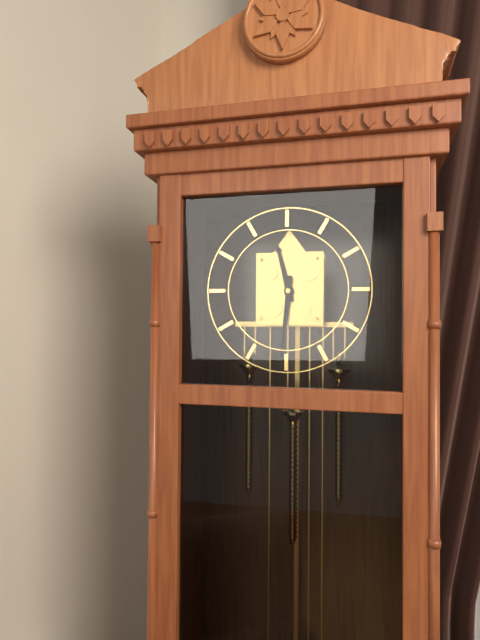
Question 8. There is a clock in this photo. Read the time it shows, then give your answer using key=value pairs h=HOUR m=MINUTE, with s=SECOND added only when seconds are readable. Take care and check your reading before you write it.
h=11 m=31
